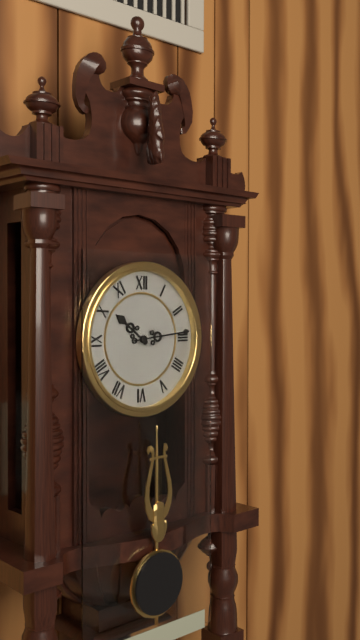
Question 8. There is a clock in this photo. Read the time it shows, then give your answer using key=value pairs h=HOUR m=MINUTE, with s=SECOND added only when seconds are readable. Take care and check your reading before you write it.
h=10 m=14
